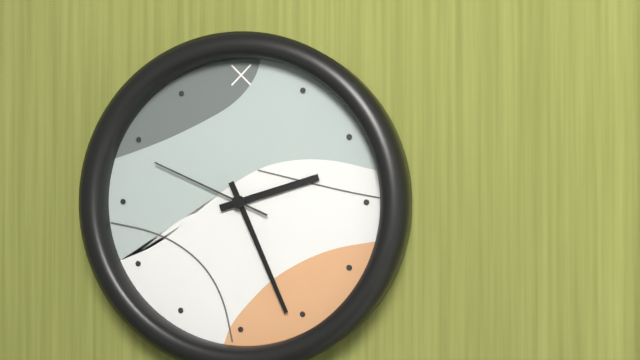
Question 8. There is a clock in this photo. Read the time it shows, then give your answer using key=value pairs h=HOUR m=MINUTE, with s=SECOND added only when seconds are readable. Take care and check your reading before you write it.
h=2 m=26 s=49
